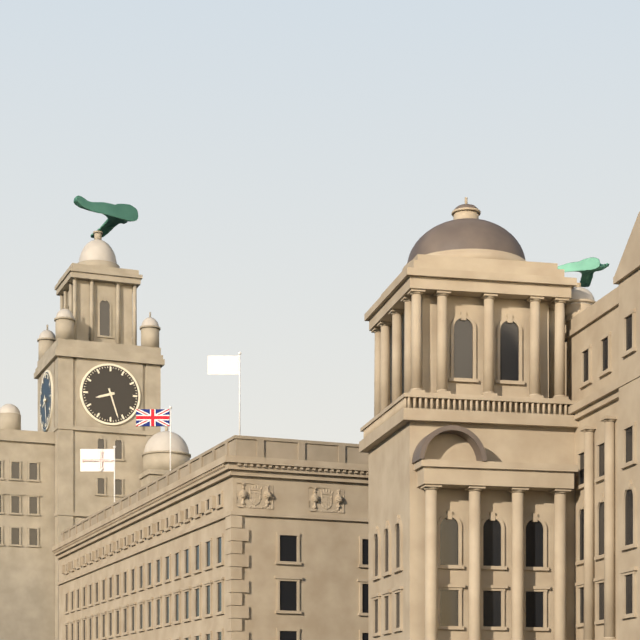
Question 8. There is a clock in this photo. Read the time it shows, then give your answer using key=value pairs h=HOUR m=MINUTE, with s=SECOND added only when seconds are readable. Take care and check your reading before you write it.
h=8 m=27
